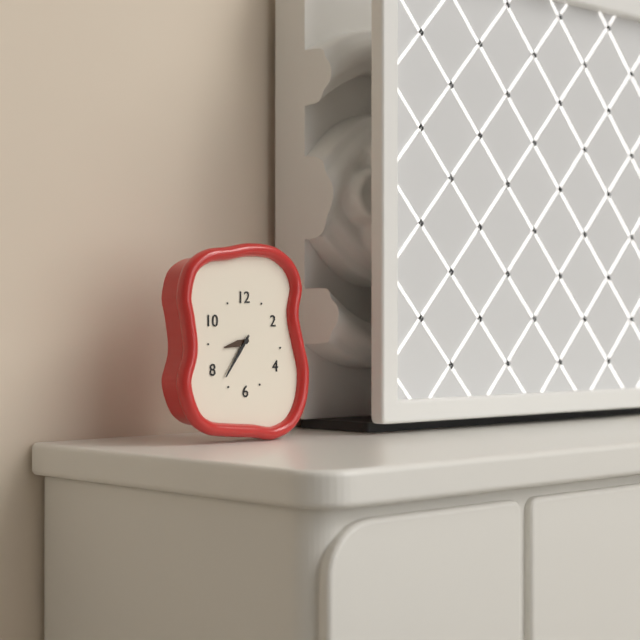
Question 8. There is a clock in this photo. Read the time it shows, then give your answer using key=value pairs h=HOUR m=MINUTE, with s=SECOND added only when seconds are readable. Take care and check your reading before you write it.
h=8 m=36
